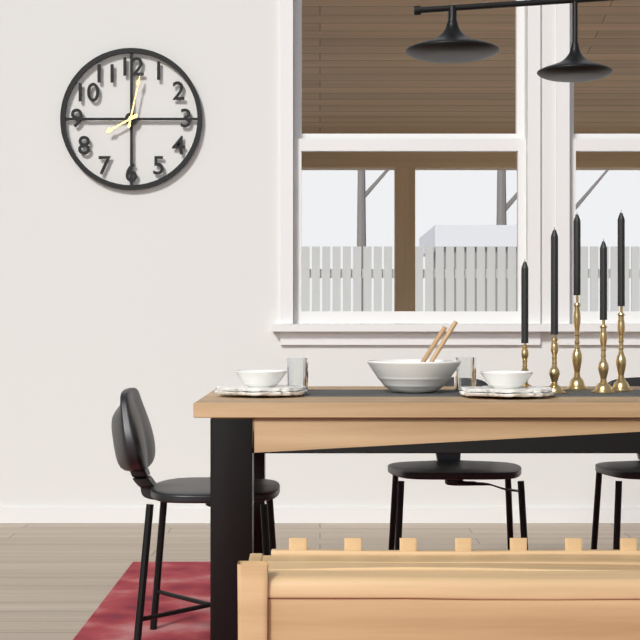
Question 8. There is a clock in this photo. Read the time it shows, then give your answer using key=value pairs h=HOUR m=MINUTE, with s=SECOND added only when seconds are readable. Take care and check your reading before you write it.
h=8 m=2
